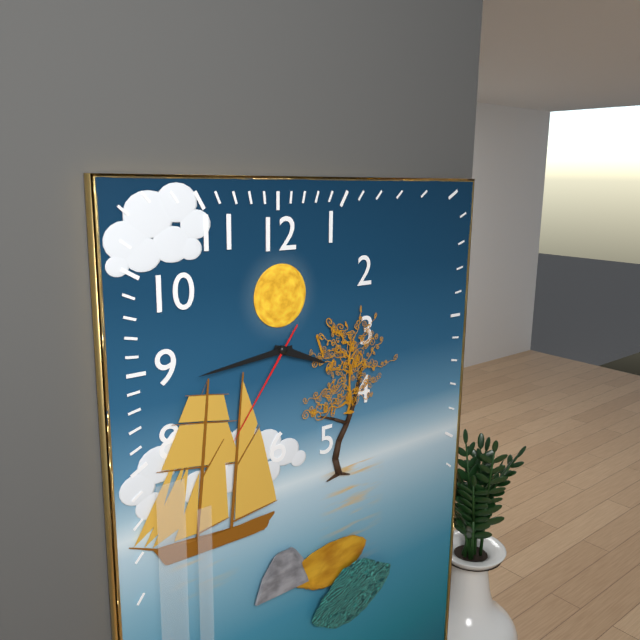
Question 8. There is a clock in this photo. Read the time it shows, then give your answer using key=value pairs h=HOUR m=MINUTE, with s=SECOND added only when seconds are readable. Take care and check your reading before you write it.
h=3 m=44 s=36
